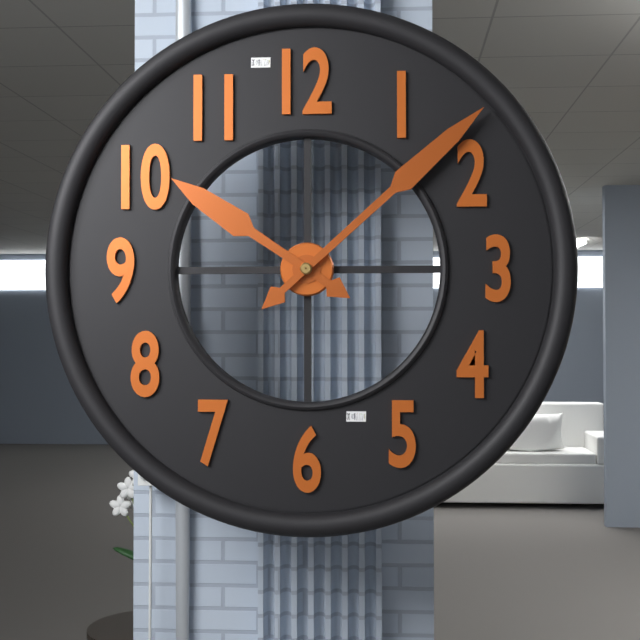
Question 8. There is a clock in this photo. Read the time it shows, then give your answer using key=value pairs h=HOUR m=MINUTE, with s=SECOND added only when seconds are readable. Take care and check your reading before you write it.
h=10 m=8
